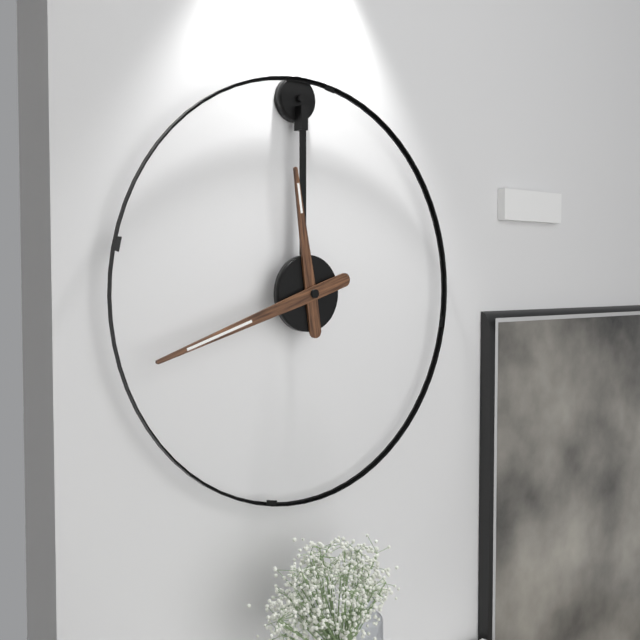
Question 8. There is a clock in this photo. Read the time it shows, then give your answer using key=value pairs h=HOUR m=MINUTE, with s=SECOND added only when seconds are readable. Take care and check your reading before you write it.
h=11 m=42
